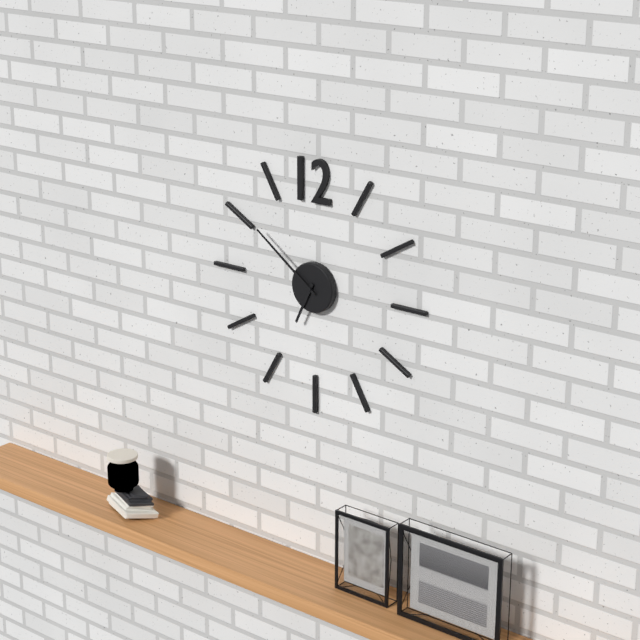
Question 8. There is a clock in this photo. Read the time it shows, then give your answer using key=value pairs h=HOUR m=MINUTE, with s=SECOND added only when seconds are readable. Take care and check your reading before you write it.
h=6 m=51
